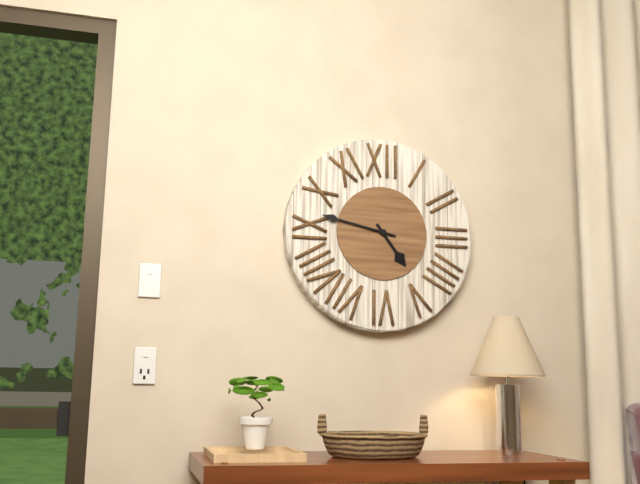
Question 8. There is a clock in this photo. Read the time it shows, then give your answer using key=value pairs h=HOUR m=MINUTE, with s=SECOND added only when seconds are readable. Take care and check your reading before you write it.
h=4 m=47
